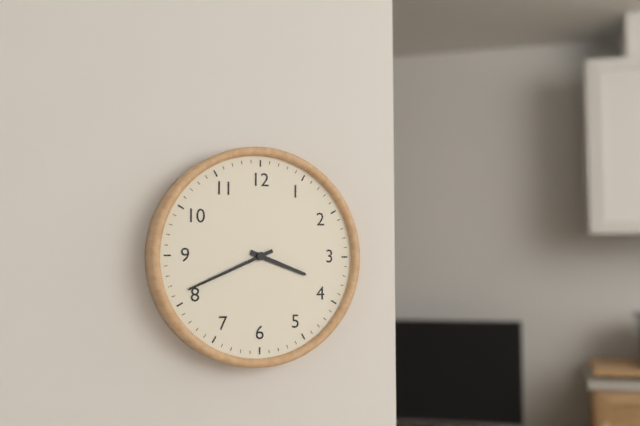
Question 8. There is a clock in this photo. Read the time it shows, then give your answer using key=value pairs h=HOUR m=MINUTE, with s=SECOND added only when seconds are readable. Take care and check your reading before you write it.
h=3 m=41
